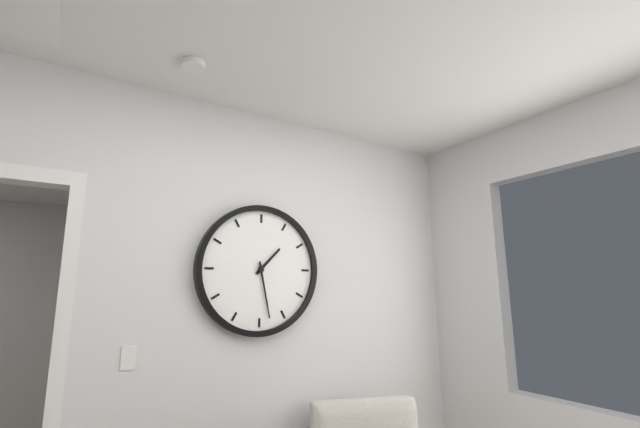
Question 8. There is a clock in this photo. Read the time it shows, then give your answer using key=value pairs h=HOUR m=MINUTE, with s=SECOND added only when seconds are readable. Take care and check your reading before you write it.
h=1 m=28
